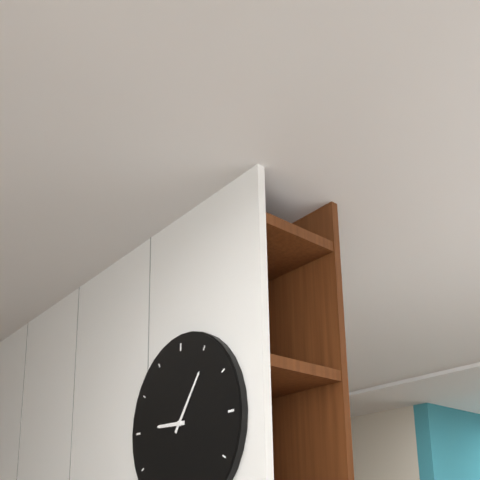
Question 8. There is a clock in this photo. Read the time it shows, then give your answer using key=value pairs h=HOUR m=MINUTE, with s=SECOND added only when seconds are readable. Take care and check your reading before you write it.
h=9 m=6
